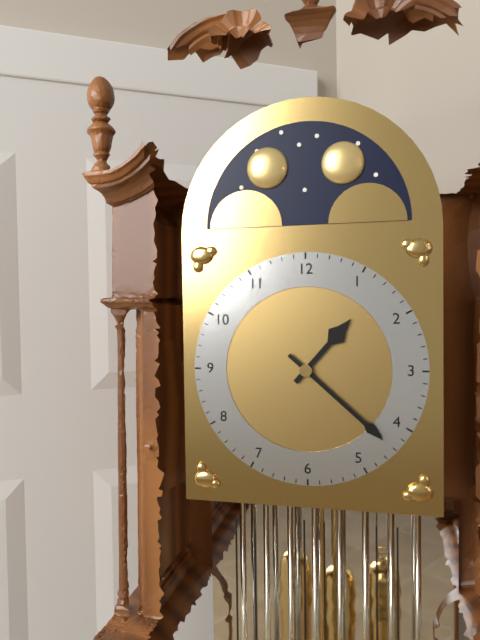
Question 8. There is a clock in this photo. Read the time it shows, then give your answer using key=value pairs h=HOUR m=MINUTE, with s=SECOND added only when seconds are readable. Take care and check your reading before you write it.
h=1 m=22
